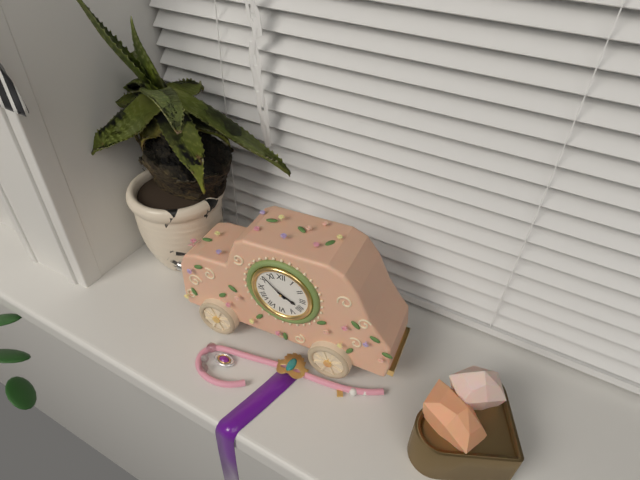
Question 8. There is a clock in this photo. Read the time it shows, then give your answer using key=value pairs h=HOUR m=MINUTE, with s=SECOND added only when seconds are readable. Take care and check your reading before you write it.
h=3 m=52
